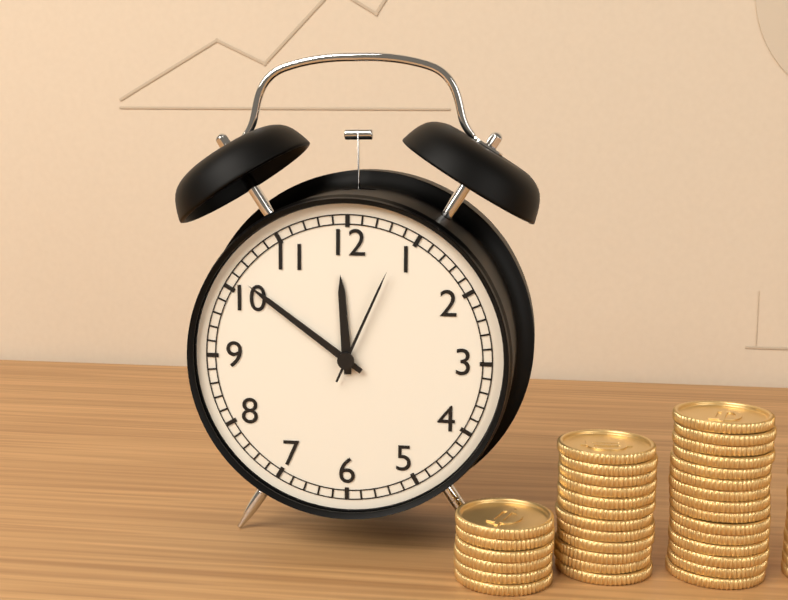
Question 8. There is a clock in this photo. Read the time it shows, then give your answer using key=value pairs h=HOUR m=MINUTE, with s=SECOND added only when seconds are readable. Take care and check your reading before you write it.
h=11 m=51 s=4
